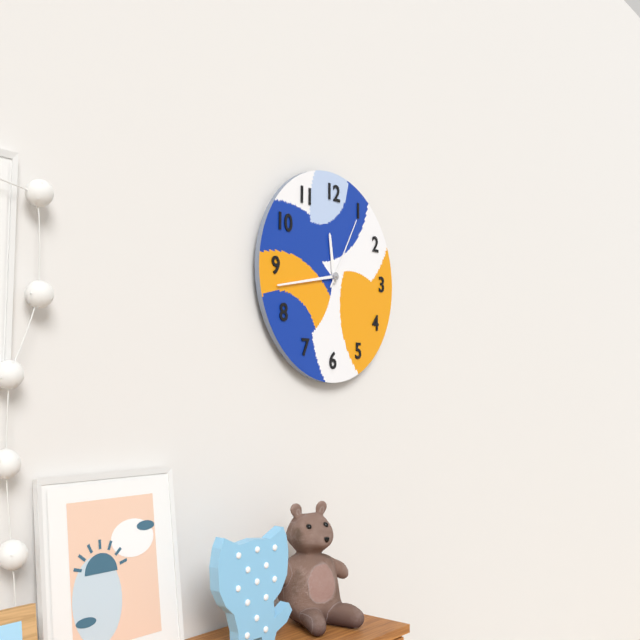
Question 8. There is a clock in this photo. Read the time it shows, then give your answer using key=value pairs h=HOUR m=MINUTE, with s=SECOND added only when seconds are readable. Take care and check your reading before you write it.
h=11 m=43 s=5
